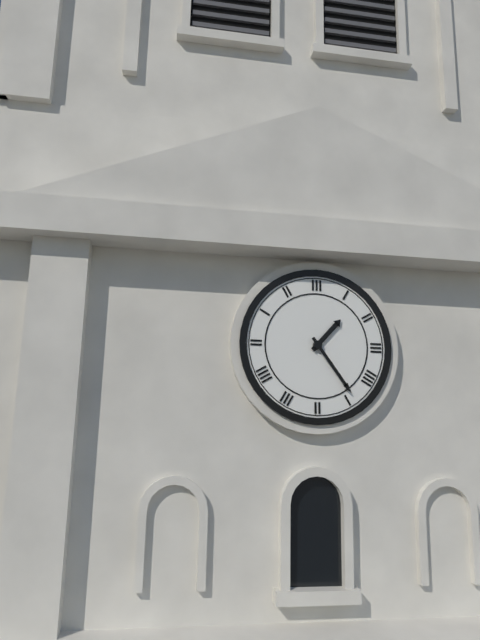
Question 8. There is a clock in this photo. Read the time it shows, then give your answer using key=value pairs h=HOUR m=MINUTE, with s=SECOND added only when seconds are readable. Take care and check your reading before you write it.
h=1 m=24
